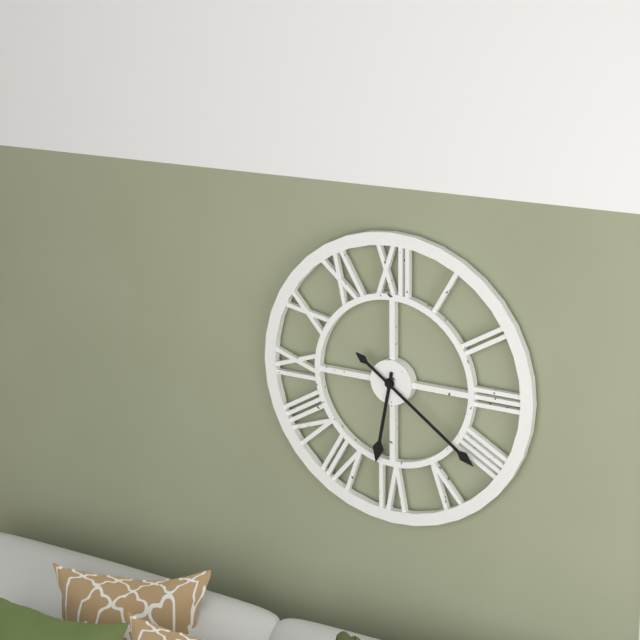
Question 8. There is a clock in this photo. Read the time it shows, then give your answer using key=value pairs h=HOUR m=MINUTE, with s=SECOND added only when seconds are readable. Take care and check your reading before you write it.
h=6 m=21
